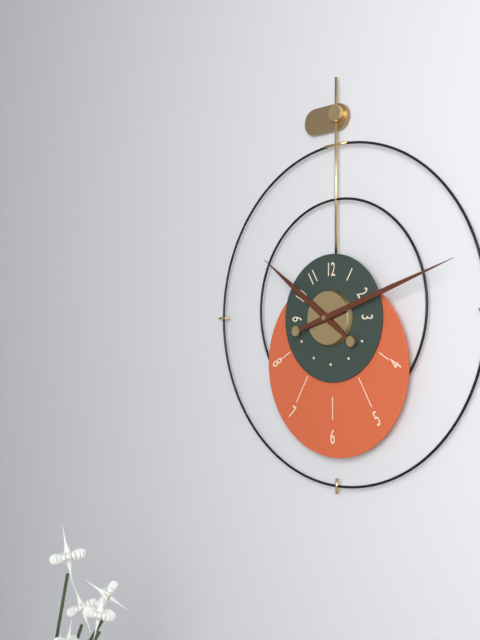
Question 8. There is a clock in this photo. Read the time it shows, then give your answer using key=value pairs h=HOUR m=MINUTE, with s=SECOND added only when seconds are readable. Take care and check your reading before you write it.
h=10 m=12
